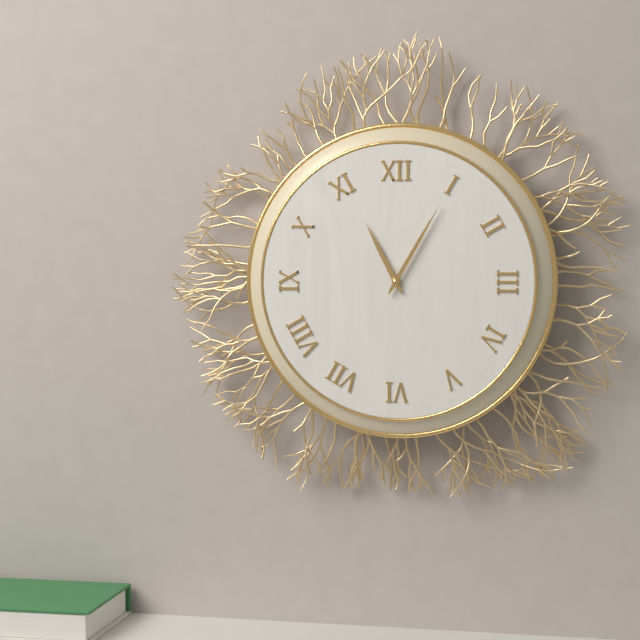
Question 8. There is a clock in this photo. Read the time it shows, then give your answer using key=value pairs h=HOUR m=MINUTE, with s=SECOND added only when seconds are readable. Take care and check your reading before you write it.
h=11 m=5
